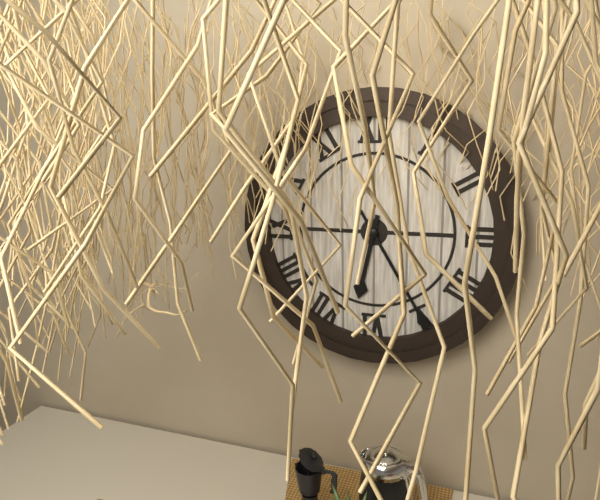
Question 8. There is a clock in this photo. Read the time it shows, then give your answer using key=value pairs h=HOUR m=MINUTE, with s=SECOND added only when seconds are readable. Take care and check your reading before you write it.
h=6 m=25
